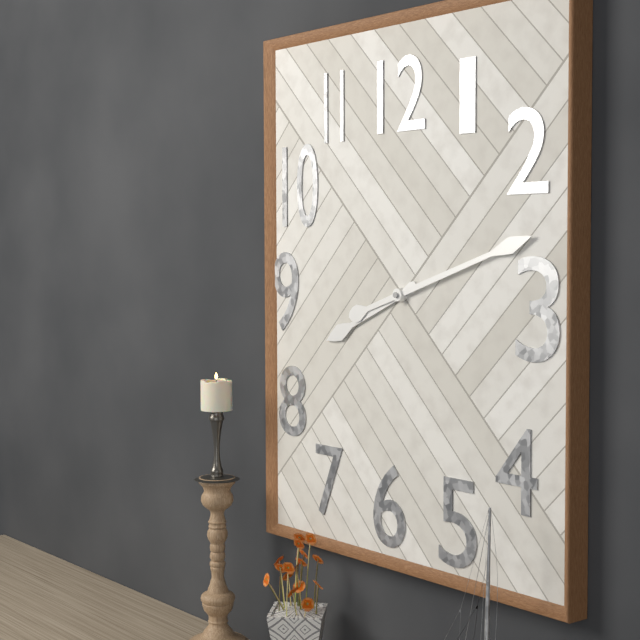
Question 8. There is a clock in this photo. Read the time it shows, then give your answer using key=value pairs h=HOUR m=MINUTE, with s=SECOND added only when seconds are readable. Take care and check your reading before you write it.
h=8 m=12
